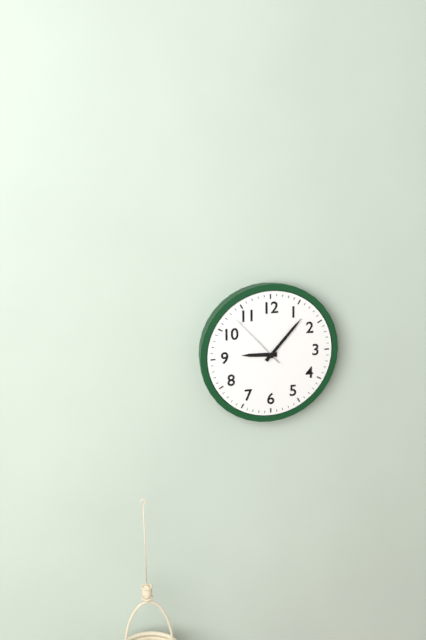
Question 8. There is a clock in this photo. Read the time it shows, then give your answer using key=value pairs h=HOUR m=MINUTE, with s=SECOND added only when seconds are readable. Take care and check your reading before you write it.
h=9 m=7 s=53
